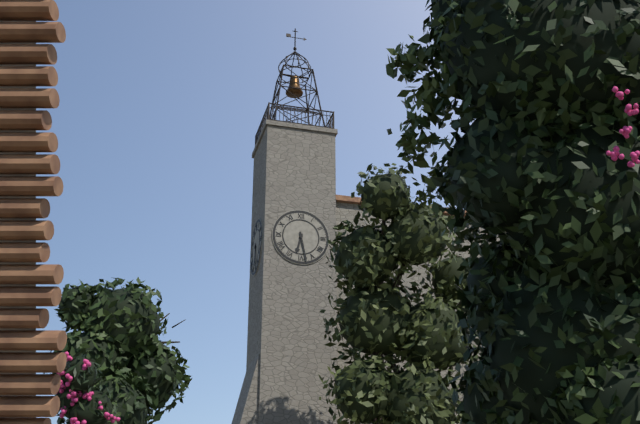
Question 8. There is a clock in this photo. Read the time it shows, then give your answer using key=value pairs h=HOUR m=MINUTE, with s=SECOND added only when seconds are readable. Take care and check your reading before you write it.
h=6 m=28
